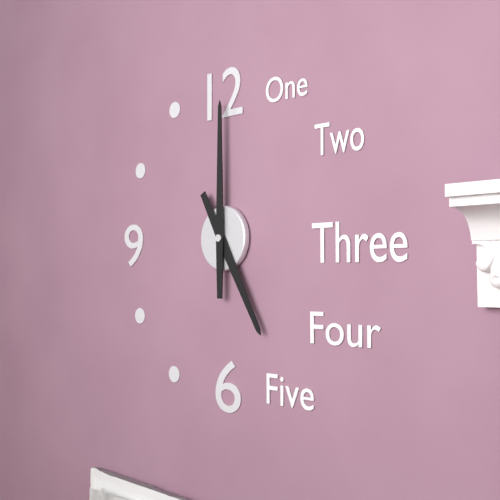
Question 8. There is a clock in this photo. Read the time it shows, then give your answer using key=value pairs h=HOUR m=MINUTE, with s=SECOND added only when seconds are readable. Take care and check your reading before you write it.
h=5 m=0
